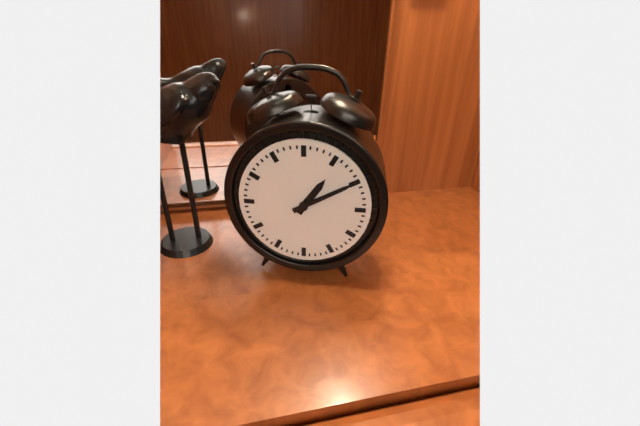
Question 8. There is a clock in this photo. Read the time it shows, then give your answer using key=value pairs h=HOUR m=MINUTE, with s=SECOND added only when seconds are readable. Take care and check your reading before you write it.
h=1 m=10
